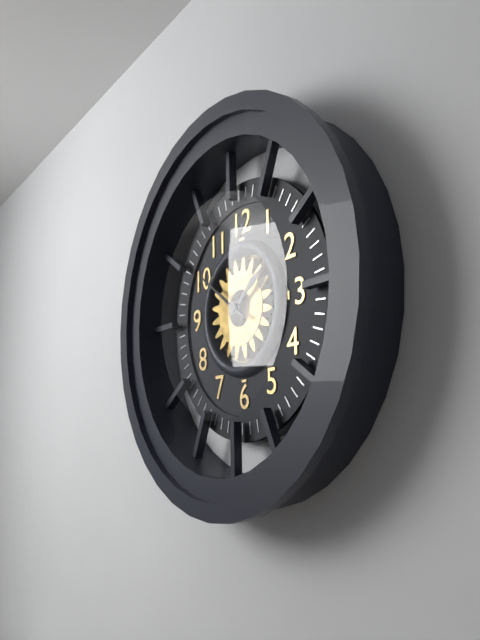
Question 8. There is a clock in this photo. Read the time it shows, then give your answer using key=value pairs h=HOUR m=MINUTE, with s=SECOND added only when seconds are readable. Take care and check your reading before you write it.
h=1 m=51
